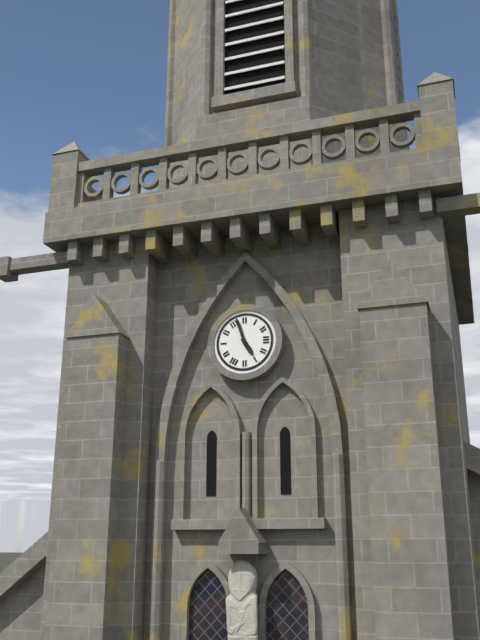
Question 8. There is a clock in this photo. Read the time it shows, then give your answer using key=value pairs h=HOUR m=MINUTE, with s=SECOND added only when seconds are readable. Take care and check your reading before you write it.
h=4 m=57
